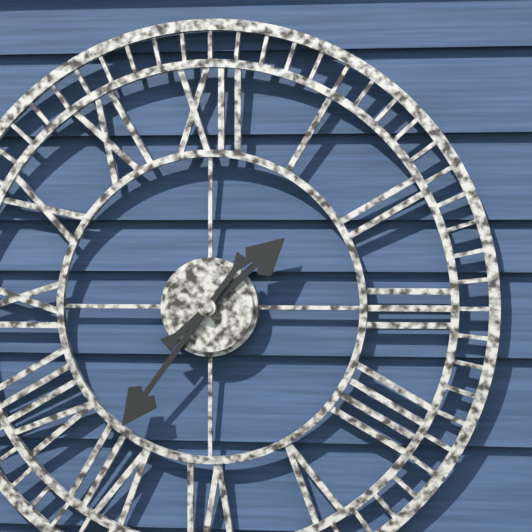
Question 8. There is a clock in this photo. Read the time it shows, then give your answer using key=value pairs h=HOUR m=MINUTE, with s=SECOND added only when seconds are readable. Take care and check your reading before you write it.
h=1 m=36
